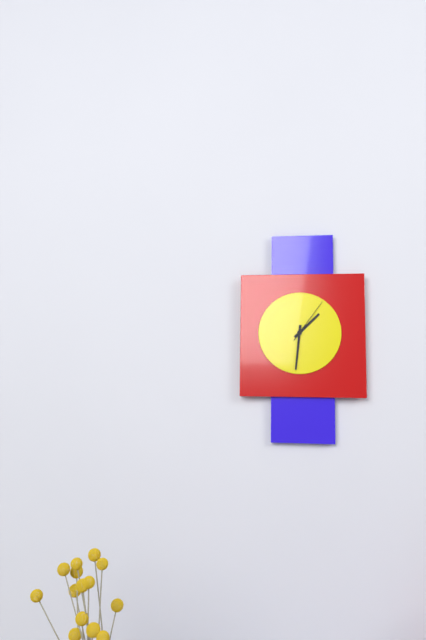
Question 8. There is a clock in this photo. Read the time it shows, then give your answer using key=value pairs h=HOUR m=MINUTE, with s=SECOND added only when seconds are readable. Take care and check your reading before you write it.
h=1 m=31 s=6
